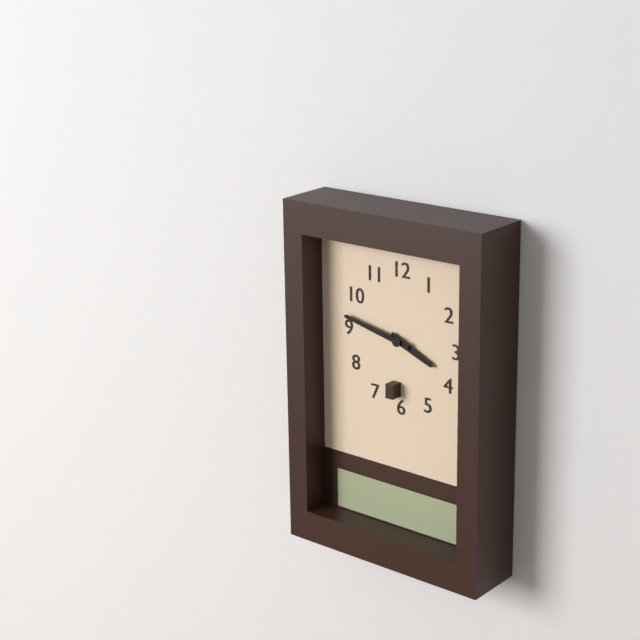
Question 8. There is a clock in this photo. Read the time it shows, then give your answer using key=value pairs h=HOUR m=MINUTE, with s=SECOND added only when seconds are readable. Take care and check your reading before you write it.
h=3 m=47
